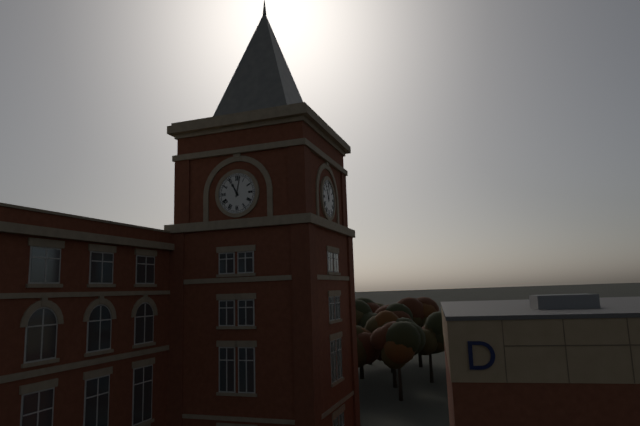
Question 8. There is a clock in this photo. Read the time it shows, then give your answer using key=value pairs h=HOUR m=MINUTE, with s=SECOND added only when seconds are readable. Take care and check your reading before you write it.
h=11 m=2
